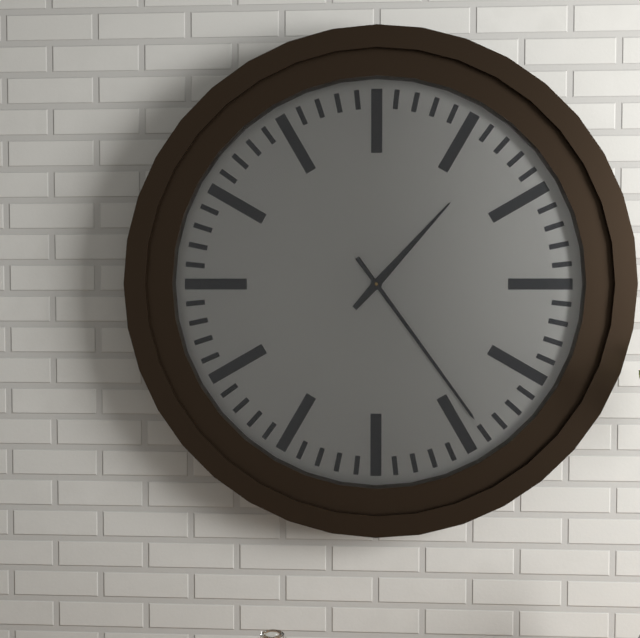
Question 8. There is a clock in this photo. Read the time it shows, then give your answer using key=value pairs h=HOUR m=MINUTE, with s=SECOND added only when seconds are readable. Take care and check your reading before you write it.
h=1 m=24
